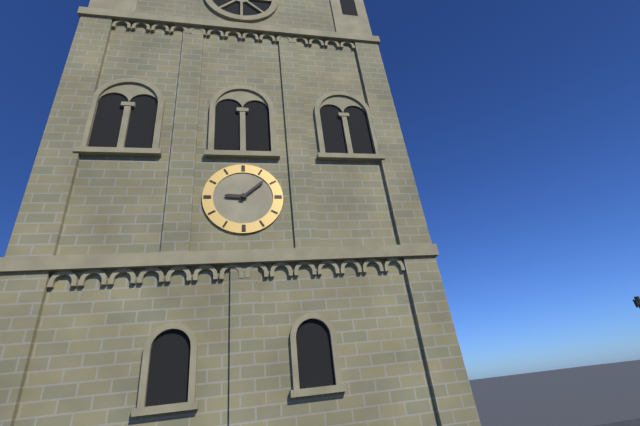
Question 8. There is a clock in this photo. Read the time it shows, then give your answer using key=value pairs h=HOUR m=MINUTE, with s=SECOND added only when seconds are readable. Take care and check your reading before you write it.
h=9 m=8
